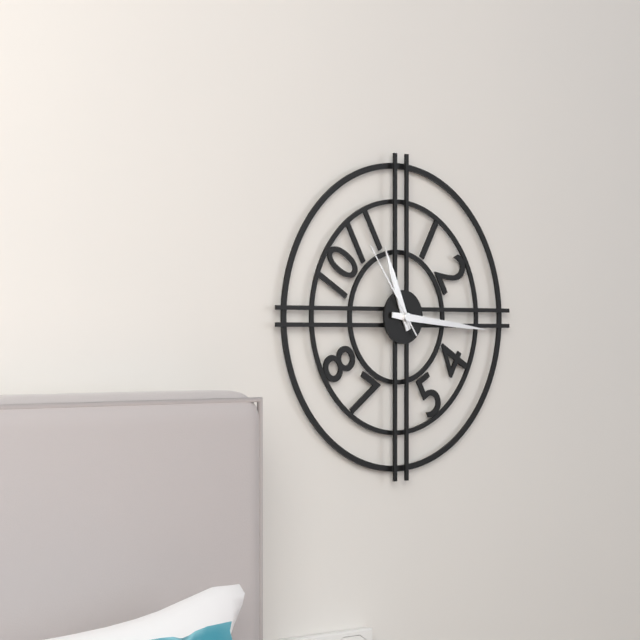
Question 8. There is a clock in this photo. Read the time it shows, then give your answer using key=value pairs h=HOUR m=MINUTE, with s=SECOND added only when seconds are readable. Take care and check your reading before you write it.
h=11 m=16 s=54
